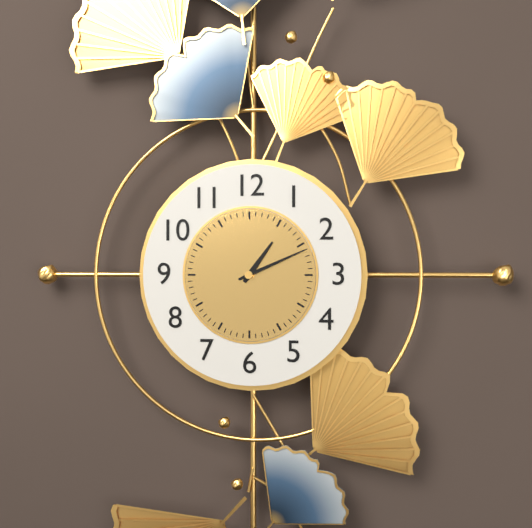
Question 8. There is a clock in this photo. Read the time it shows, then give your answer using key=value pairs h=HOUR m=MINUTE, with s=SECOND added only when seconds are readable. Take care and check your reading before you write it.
h=1 m=11
